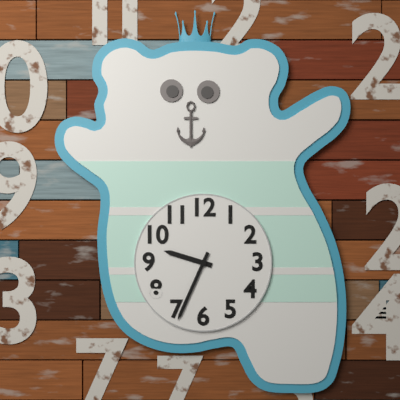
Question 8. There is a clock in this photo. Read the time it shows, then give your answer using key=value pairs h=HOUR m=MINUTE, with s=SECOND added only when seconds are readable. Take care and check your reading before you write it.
h=9 m=34
